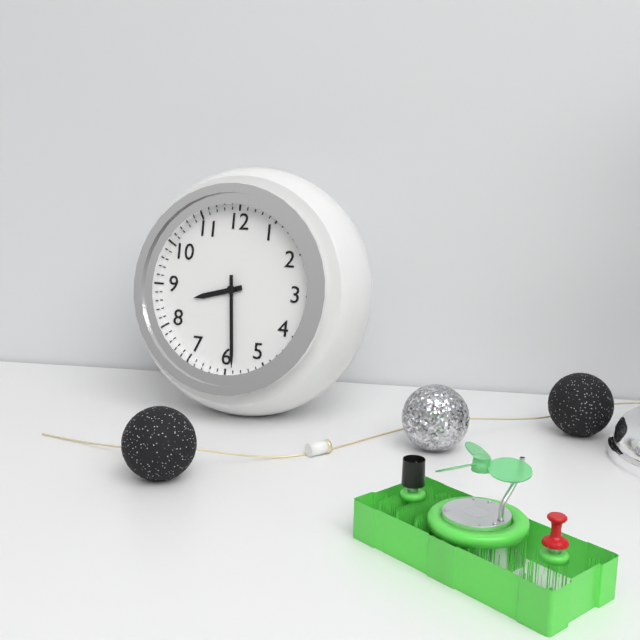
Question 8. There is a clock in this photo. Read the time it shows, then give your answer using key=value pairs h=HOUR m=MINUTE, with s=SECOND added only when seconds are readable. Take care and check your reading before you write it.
h=8 m=29
